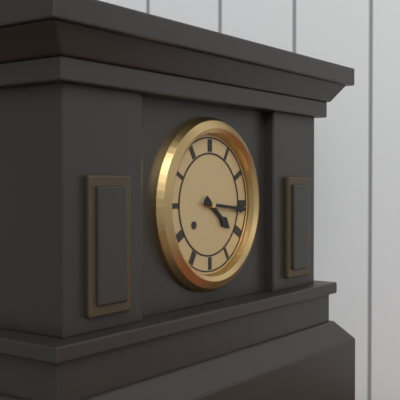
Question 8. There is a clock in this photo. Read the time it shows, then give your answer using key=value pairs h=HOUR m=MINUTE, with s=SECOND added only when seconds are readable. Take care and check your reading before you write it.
h=4 m=16
